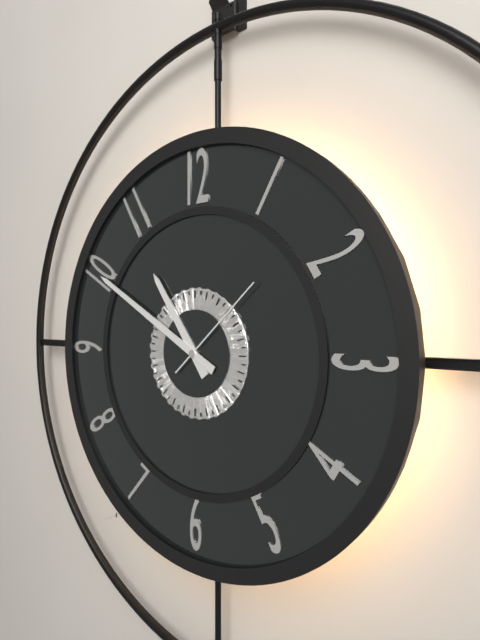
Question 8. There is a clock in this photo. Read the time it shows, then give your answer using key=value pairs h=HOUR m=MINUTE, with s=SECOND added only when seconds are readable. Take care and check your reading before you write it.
h=10 m=50 s=8
